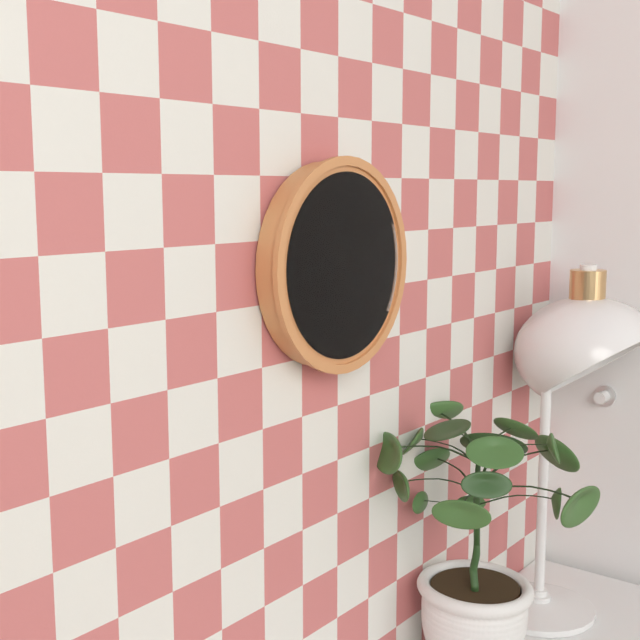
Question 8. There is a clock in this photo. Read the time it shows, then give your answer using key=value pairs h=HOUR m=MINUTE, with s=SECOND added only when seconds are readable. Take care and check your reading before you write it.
h=7 m=15
